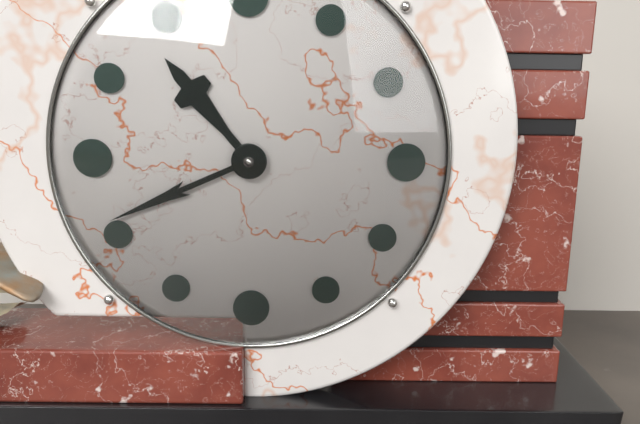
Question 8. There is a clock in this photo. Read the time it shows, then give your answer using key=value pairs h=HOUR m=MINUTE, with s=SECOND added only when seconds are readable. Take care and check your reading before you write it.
h=10 m=41
